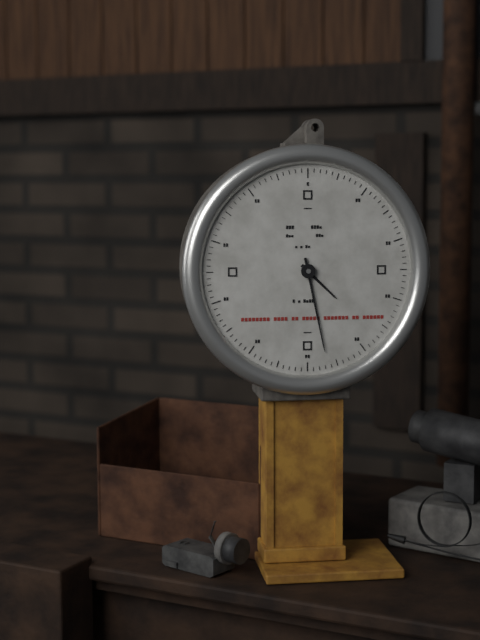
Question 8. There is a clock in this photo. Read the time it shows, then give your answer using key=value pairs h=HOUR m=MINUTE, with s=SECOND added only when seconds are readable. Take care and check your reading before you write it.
h=4 m=28
